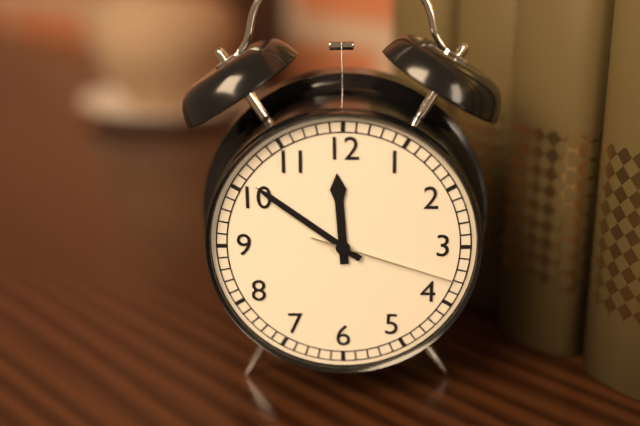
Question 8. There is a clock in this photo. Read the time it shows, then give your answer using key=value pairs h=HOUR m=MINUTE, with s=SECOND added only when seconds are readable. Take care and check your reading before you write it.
h=11 m=51 s=18
